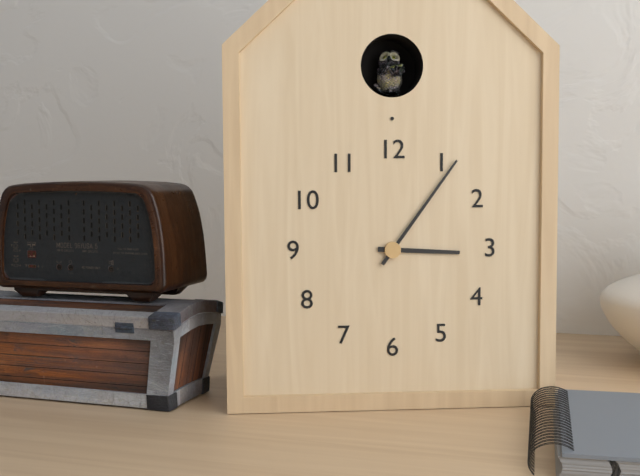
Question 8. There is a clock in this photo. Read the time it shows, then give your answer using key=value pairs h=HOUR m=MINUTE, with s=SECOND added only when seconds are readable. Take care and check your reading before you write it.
h=3 m=6
